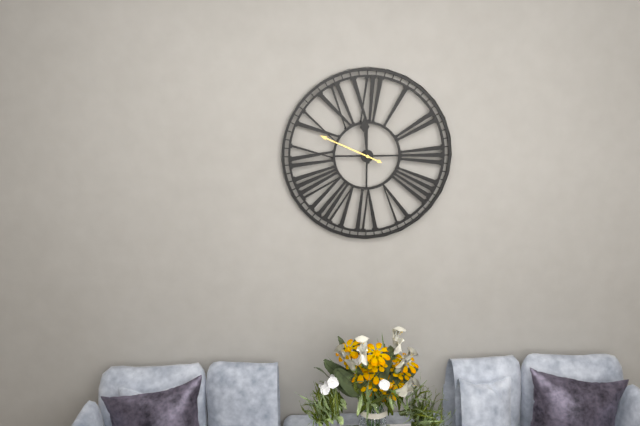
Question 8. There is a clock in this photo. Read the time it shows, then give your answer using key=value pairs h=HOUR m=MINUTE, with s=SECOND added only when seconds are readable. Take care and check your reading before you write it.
h=11 m=49
